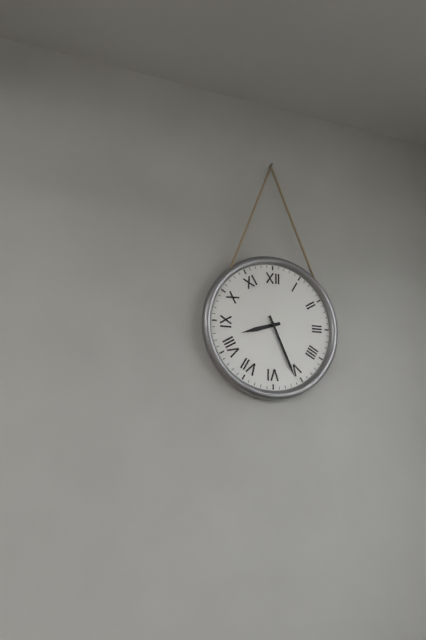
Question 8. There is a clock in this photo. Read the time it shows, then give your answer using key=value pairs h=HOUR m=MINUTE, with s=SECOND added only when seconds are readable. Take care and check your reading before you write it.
h=8 m=26
